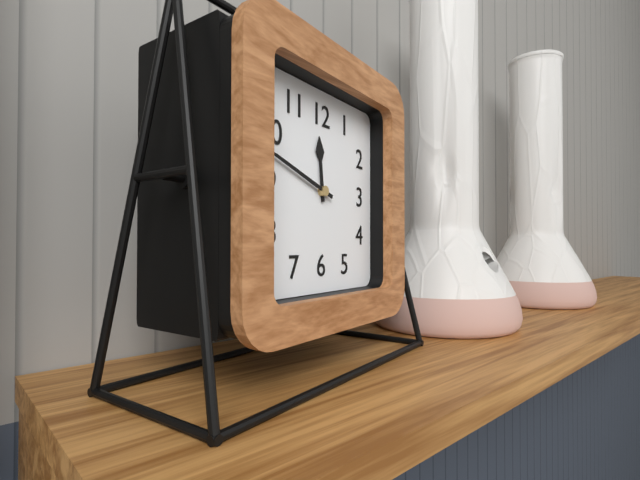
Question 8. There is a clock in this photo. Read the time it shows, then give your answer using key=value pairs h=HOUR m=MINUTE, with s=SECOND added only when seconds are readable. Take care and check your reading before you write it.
h=11 m=48
